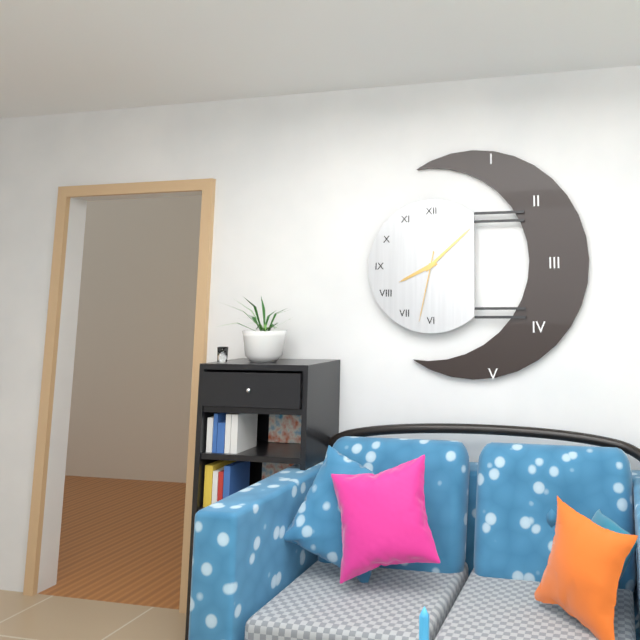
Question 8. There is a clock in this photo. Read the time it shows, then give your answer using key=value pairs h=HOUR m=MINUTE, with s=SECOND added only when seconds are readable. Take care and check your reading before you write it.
h=8 m=8 s=32
